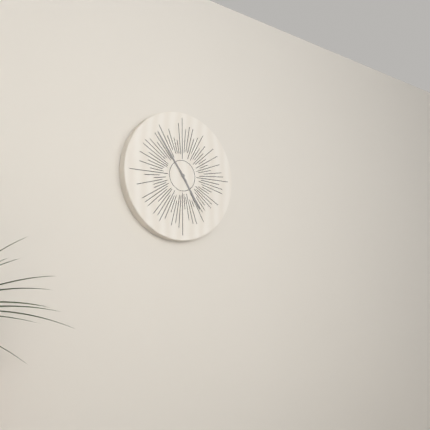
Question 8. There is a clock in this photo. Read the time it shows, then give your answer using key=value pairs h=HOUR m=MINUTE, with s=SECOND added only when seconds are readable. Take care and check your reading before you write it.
h=4 m=54
